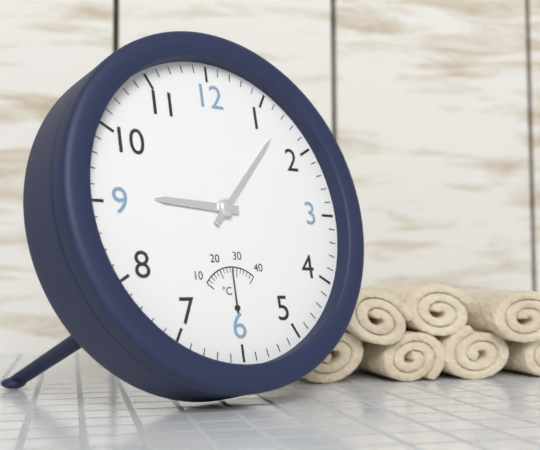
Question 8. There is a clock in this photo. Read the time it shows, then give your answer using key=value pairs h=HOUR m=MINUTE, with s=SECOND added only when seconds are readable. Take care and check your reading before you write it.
h=9 m=7
